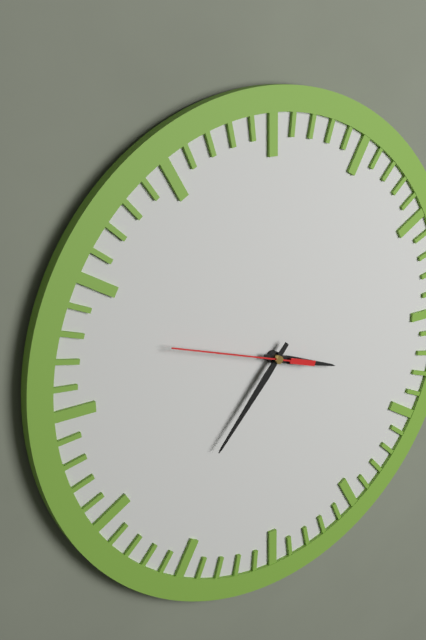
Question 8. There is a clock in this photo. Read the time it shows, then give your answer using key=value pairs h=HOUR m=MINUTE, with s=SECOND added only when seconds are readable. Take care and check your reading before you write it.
h=3 m=37 s=48
